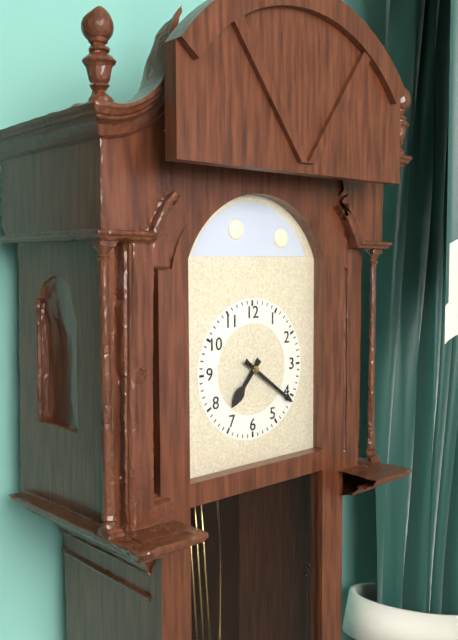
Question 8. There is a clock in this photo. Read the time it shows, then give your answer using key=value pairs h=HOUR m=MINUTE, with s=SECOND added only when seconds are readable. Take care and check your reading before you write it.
h=7 m=21
